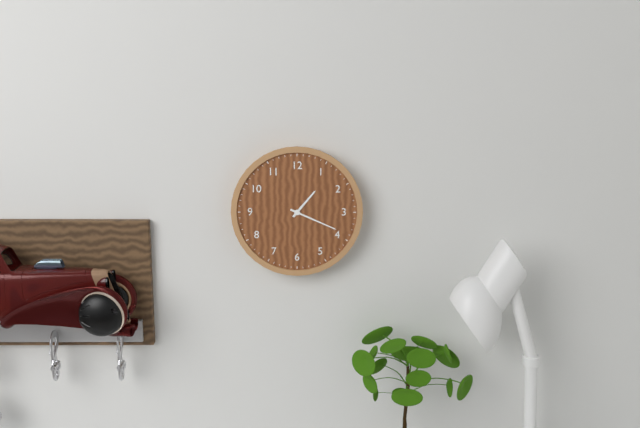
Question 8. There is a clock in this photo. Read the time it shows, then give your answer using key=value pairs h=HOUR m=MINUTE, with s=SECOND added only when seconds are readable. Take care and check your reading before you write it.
h=1 m=19
